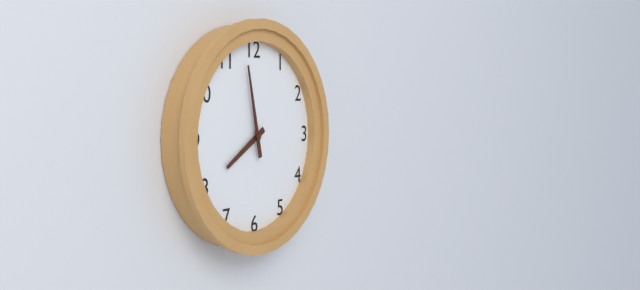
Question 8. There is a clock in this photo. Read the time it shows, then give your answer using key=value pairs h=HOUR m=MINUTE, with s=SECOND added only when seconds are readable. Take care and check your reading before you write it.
h=7 m=58
